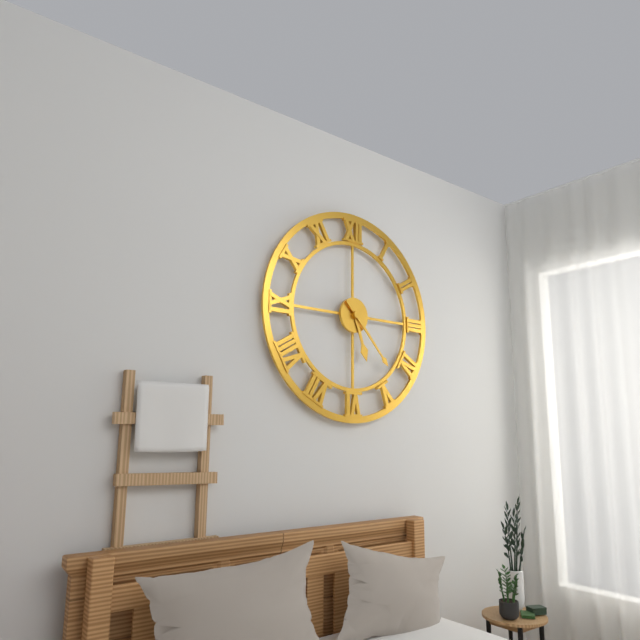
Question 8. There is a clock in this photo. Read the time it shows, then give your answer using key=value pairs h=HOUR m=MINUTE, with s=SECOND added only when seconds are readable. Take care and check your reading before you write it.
h=5 m=23
